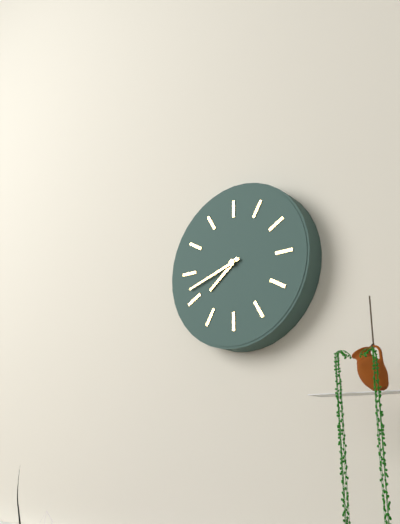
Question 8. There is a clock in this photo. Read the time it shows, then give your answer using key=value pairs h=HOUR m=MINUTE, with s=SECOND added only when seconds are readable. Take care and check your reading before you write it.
h=7 m=42
